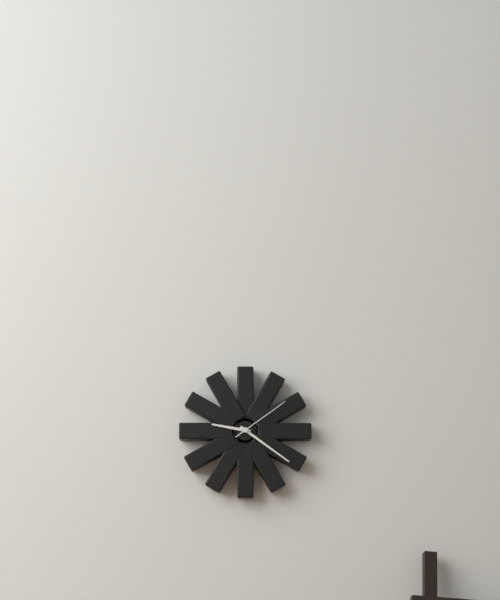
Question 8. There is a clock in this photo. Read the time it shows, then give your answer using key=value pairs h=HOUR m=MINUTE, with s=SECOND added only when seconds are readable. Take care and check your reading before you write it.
h=9 m=21 s=9
